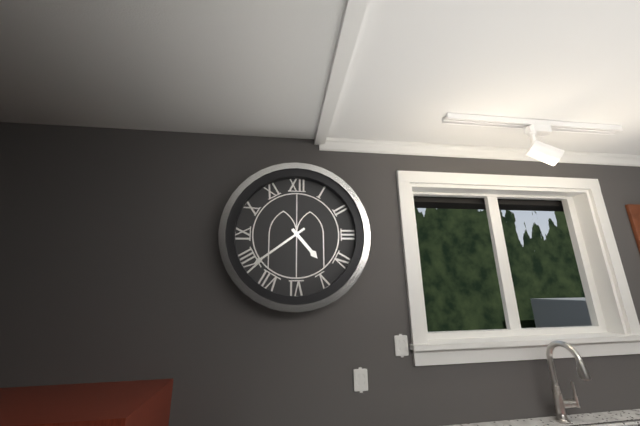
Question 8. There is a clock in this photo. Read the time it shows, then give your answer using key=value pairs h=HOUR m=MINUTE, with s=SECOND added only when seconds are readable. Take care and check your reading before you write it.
h=4 m=39
